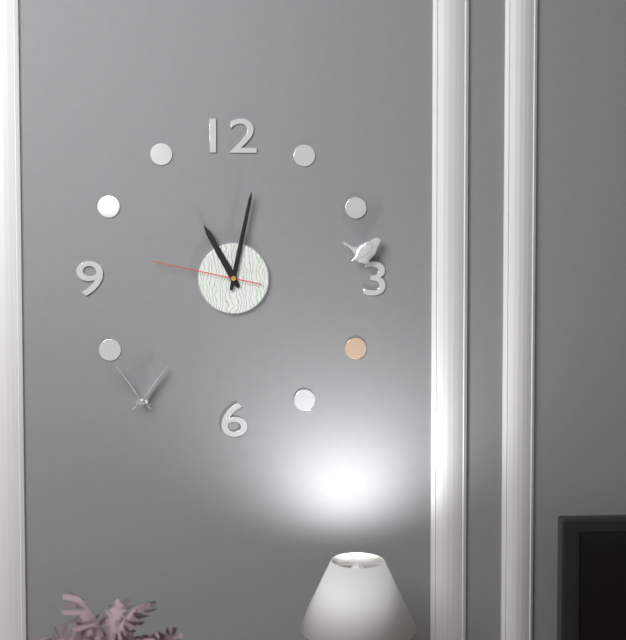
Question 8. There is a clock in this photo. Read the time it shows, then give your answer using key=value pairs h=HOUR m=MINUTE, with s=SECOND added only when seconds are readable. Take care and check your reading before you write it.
h=11 m=2 s=47
